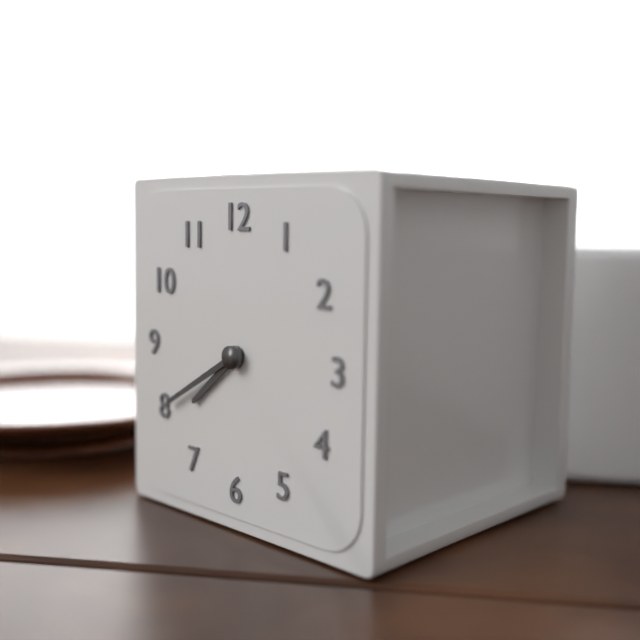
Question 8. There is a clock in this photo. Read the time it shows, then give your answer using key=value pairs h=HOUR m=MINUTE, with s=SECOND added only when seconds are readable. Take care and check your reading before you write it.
h=7 m=40
